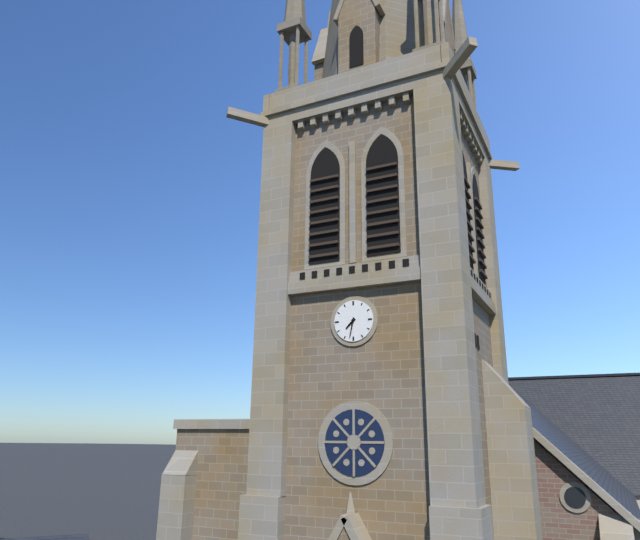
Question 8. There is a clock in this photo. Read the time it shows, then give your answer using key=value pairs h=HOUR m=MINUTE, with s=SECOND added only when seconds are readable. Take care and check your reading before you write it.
h=7 m=32
